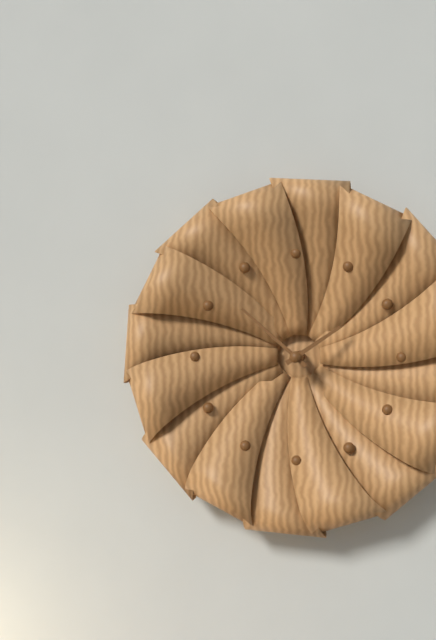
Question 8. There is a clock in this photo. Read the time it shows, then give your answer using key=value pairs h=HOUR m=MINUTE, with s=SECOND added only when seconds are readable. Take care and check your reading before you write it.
h=1 m=52
